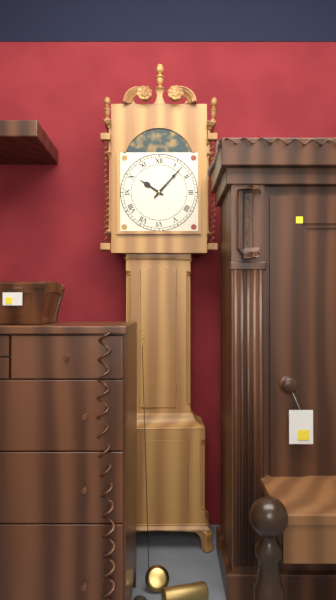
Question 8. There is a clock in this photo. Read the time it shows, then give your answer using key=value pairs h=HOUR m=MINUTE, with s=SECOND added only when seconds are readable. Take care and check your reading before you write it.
h=10 m=7
